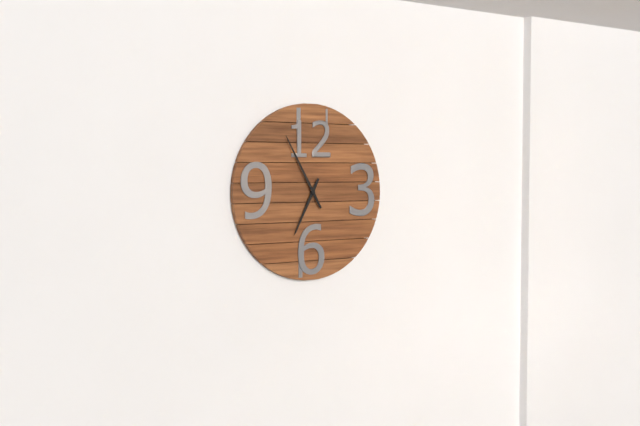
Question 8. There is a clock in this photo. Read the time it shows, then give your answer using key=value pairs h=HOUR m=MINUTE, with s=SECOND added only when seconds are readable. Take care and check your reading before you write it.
h=6 m=55
